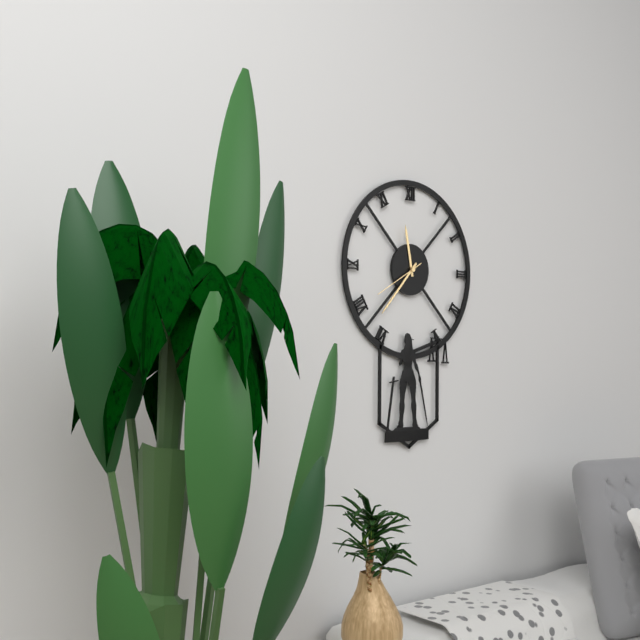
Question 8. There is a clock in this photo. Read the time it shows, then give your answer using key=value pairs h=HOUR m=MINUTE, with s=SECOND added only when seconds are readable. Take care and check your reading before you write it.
h=11 m=37 s=40
